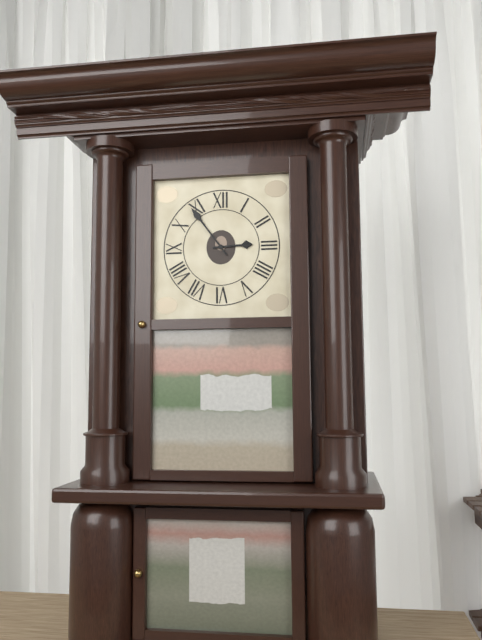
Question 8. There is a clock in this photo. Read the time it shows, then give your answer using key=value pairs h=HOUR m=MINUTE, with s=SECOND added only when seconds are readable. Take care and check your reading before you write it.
h=2 m=54
